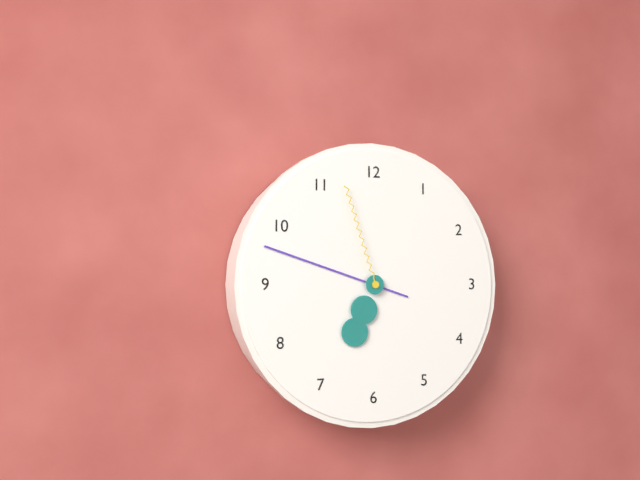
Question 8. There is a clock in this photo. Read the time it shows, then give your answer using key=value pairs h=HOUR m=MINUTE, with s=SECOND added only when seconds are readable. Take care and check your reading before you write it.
h=6 m=48 s=57
